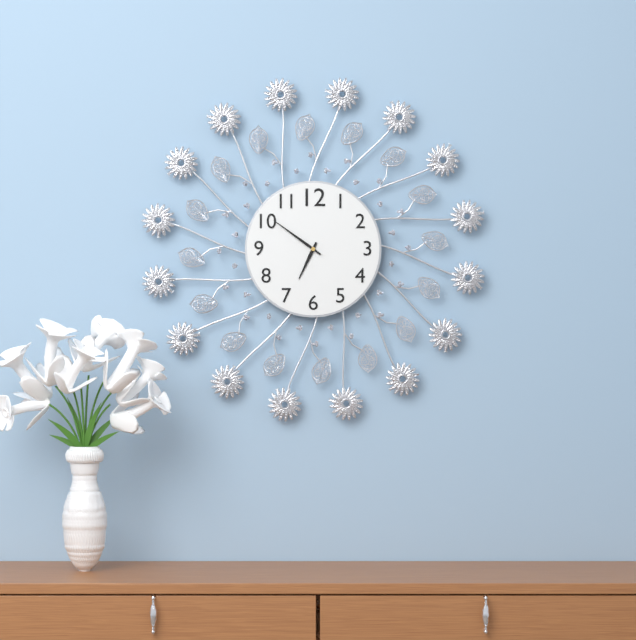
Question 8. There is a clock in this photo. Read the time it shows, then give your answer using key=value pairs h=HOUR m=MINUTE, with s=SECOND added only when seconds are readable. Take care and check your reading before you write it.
h=6 m=51
